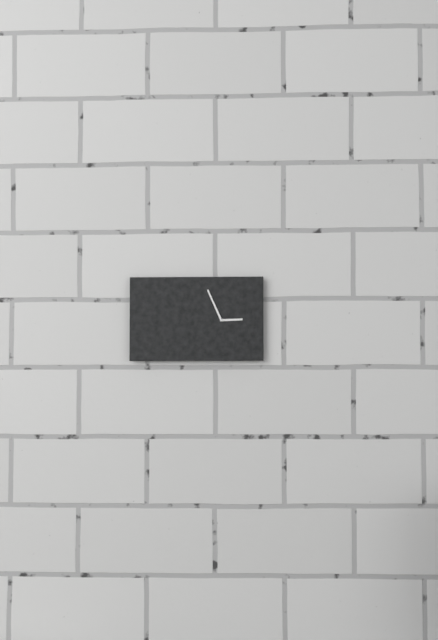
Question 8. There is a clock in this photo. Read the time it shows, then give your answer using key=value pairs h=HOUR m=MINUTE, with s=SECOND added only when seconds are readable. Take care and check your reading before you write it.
h=2 m=56
